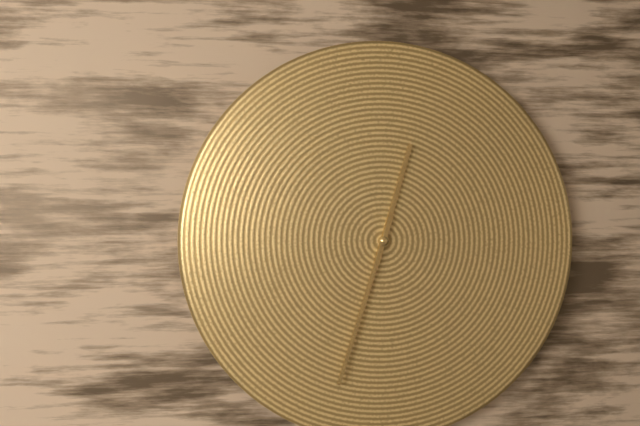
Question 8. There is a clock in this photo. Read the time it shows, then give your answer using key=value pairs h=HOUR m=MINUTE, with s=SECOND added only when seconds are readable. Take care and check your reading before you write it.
h=12 m=33
